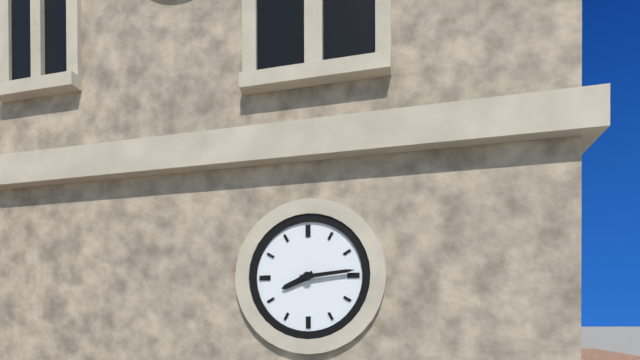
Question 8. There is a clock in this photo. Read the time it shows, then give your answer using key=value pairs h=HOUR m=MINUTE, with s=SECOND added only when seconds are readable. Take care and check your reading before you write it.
h=8 m=14
